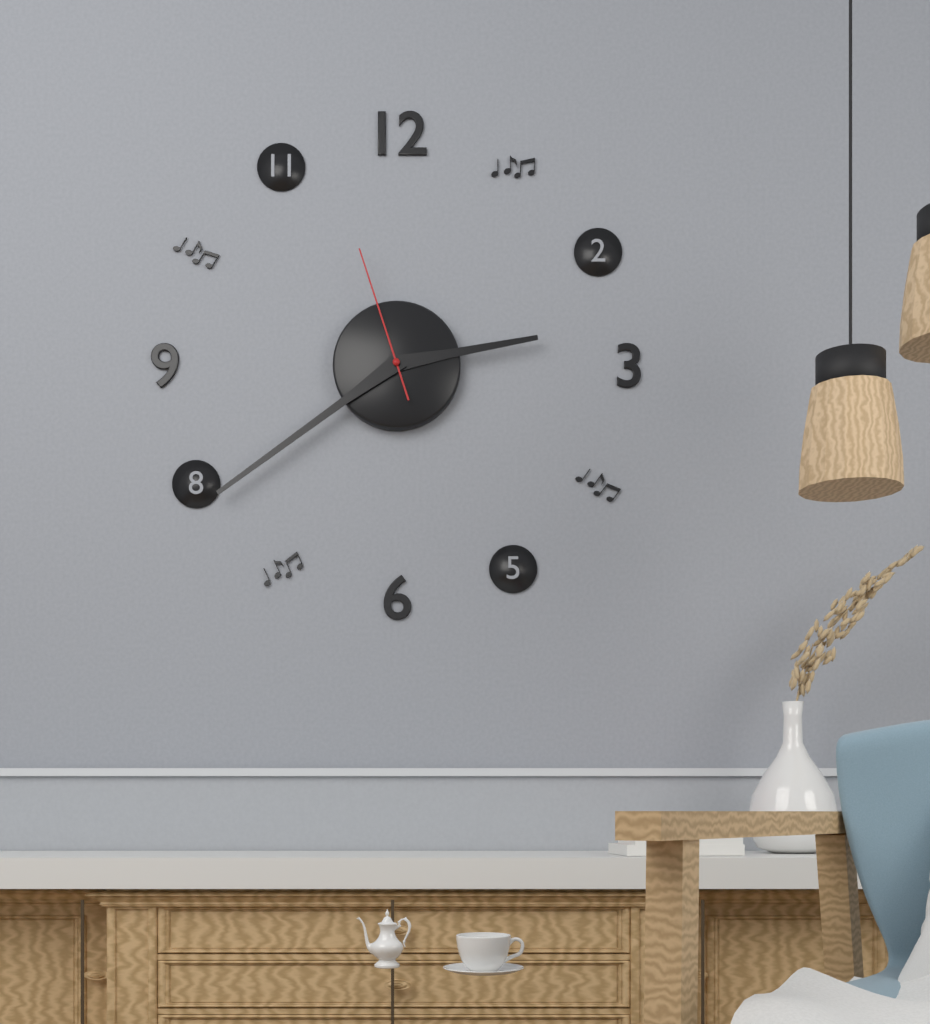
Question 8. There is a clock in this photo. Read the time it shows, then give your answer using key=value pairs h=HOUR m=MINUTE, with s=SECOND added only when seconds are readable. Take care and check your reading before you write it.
h=2 m=39 s=57
